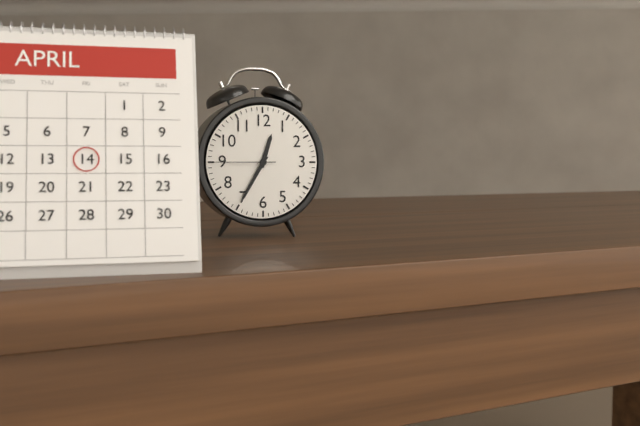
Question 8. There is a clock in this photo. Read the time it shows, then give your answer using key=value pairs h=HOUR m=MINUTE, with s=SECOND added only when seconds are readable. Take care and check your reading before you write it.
h=12 m=35 s=45
